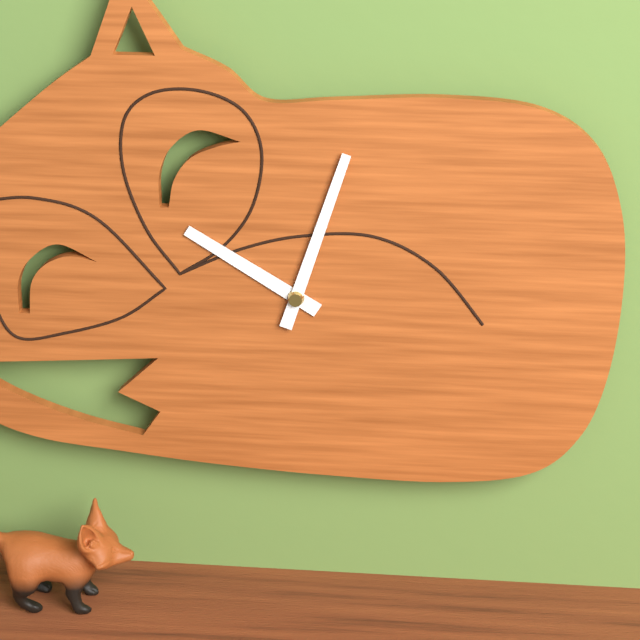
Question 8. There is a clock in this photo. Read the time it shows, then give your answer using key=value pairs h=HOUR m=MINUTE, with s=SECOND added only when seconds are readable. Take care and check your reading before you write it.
h=10 m=3
